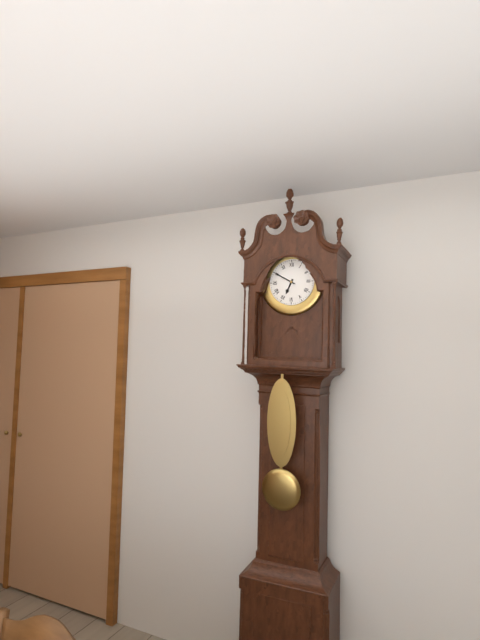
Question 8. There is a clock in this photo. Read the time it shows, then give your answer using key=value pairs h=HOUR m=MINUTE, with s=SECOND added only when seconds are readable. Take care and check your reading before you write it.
h=6 m=50
